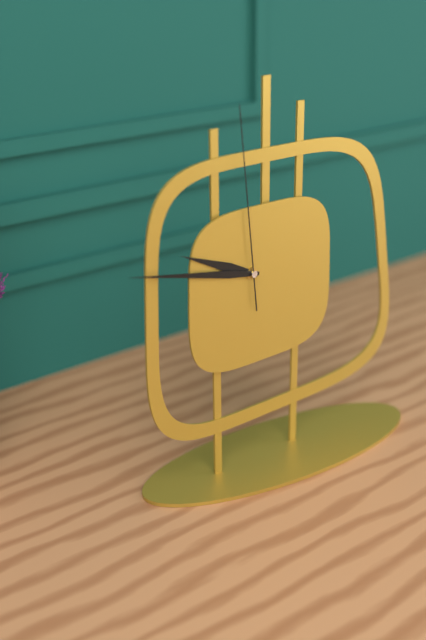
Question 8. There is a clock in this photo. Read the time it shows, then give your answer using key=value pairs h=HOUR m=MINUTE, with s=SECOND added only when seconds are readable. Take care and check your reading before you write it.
h=9 m=47 s=59
